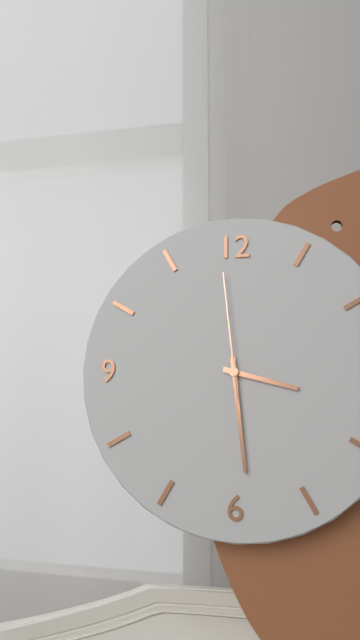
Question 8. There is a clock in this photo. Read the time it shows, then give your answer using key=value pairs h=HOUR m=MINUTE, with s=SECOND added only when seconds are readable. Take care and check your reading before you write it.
h=3 m=29 s=59
